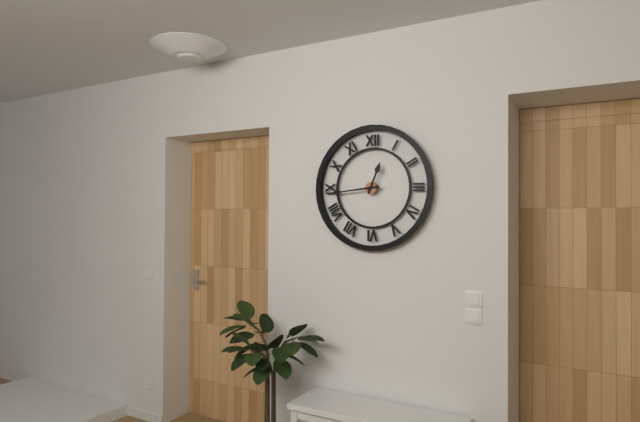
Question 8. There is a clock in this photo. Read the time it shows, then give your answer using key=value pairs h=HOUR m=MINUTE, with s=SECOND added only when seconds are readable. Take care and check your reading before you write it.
h=12 m=44
